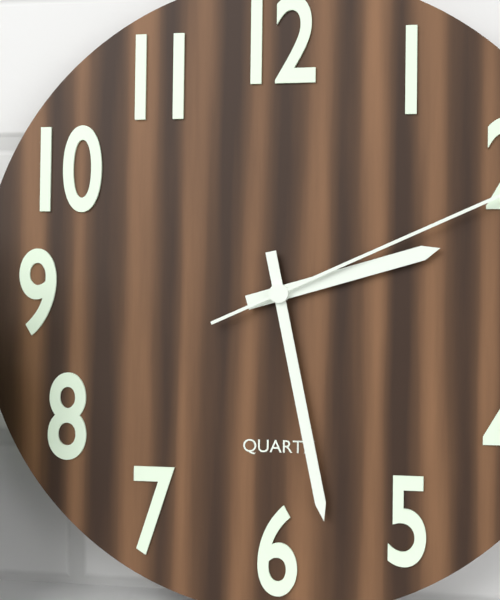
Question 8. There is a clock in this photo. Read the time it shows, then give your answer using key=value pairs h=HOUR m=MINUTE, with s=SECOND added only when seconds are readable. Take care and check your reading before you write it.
h=2 m=28
